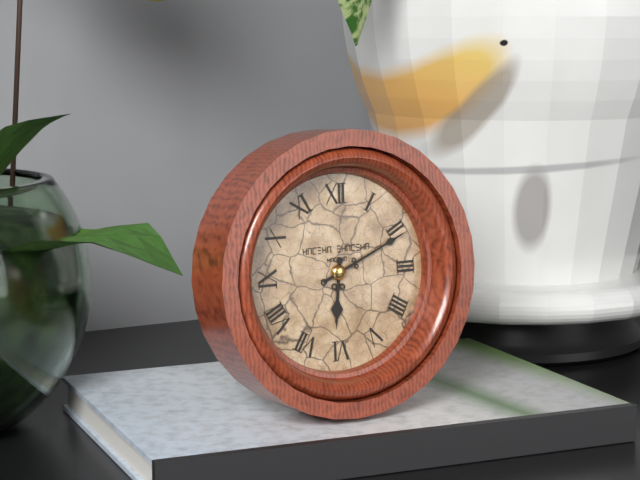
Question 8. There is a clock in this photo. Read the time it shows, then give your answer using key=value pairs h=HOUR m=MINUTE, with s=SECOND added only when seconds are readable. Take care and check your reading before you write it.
h=6 m=11
